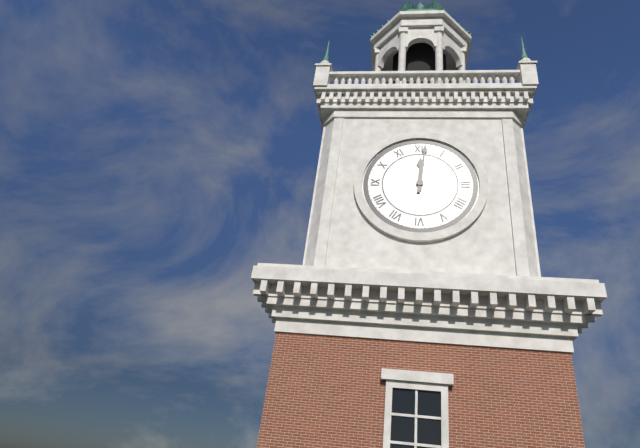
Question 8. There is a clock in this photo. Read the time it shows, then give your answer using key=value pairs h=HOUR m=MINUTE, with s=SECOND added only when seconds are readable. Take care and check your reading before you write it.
h=12 m=1
